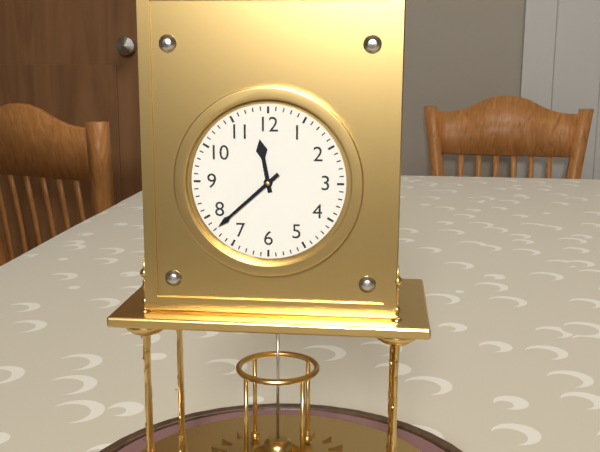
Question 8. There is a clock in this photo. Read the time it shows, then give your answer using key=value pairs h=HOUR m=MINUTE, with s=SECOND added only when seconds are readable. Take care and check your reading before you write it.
h=11 m=38
